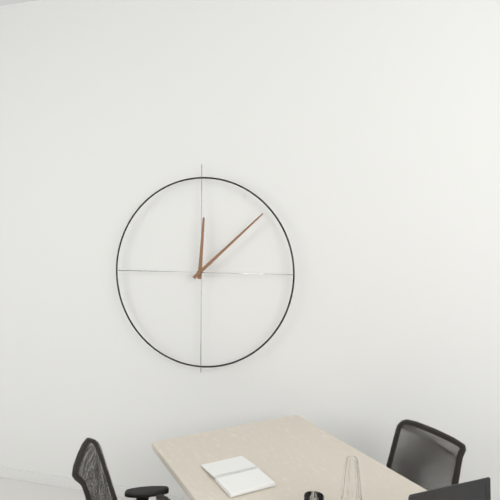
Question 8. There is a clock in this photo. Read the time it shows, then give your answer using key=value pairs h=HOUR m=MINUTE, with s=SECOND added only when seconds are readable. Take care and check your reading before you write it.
h=12 m=8
